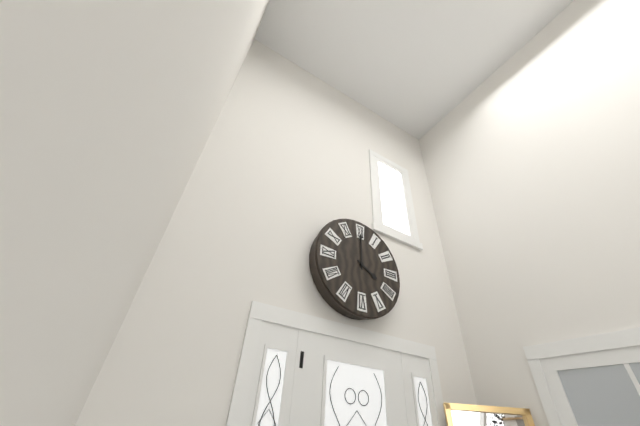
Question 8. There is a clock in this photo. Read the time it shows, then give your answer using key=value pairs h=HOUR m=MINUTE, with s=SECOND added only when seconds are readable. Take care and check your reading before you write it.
h=4 m=0
